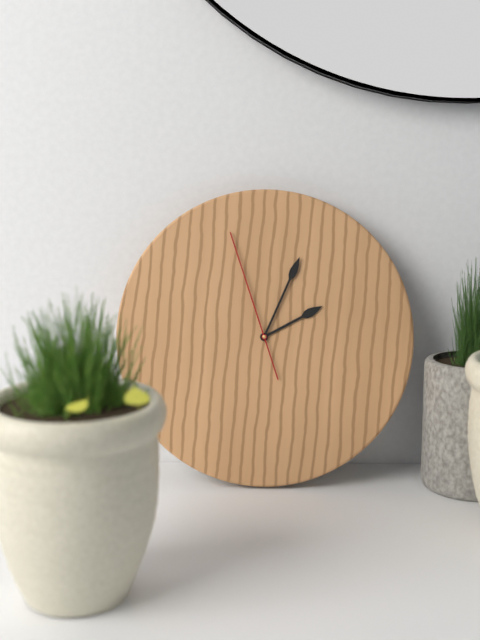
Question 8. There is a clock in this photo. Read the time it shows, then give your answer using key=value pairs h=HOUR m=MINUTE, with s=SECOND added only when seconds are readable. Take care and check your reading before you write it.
h=2 m=4 s=57
